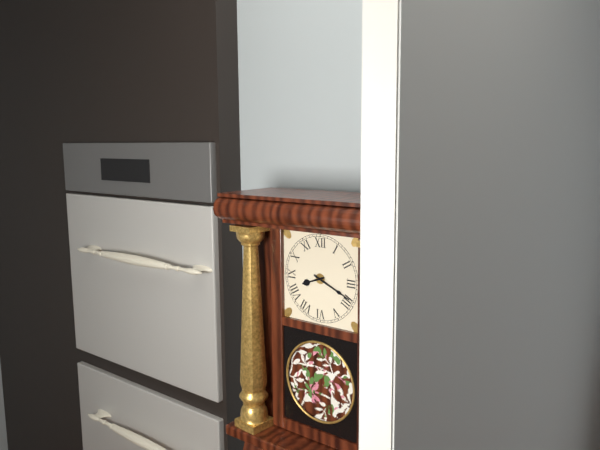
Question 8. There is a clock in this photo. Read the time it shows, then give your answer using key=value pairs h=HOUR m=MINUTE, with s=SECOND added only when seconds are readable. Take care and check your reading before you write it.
h=8 m=19
